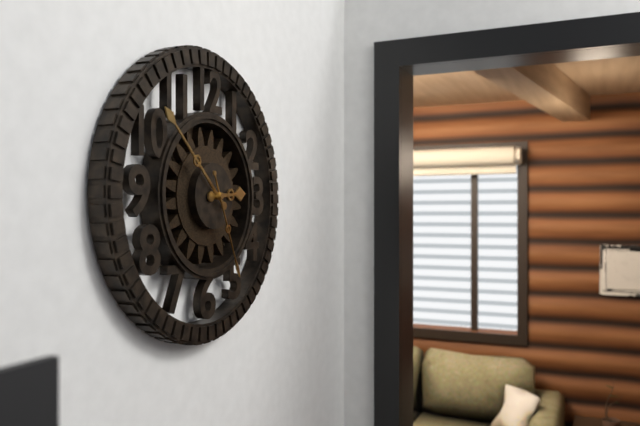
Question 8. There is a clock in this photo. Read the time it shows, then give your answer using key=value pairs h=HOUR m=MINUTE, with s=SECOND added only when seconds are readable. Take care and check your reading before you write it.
h=2 m=52 s=26
